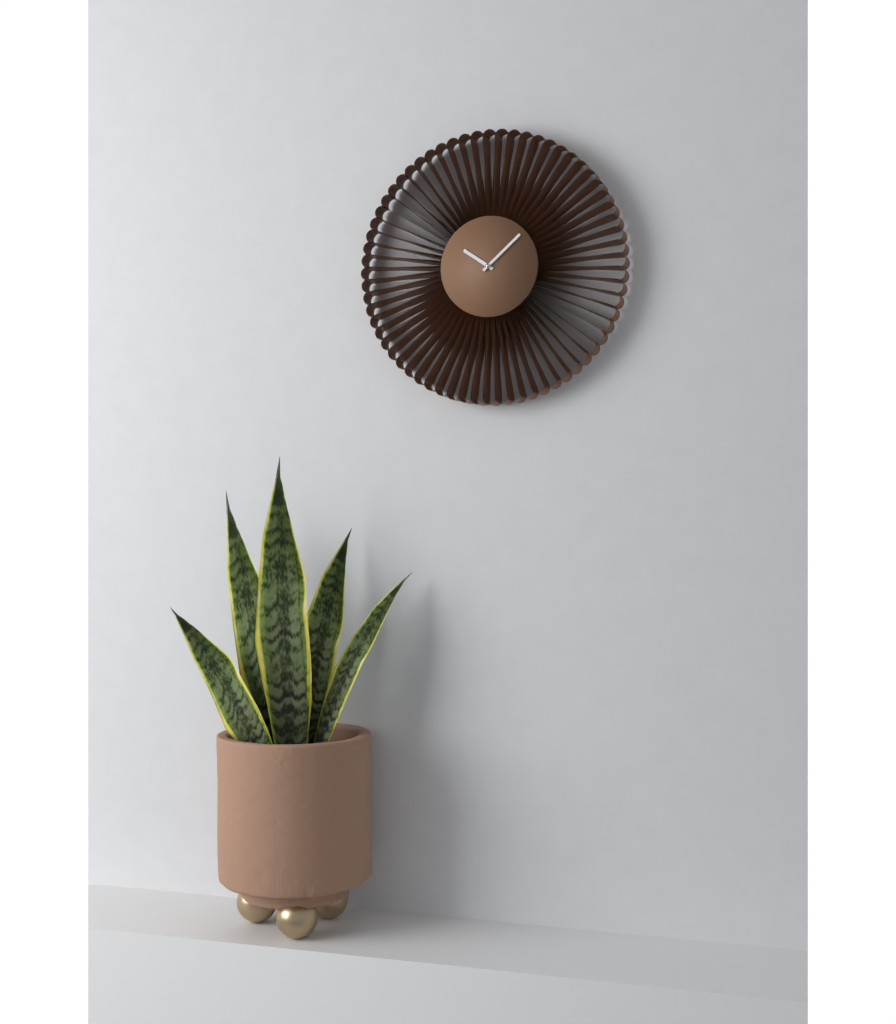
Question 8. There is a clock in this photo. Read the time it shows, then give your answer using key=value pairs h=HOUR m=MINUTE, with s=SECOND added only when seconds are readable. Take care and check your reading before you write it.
h=10 m=8
